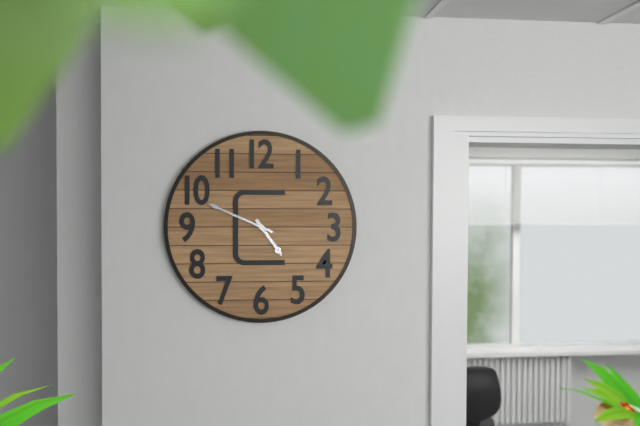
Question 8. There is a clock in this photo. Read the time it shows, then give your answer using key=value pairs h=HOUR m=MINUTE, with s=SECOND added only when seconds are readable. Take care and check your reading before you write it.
h=4 m=49
